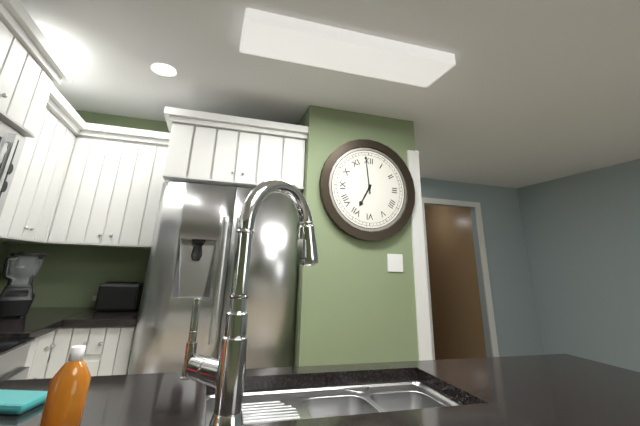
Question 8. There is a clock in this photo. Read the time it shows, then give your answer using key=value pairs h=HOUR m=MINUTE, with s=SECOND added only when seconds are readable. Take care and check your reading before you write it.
h=6 m=59
